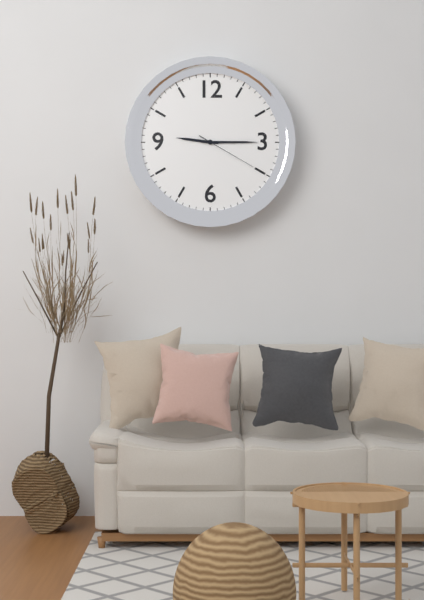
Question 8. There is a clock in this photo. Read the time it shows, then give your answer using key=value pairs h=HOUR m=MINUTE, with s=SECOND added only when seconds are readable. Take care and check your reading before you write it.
h=9 m=15 s=20
